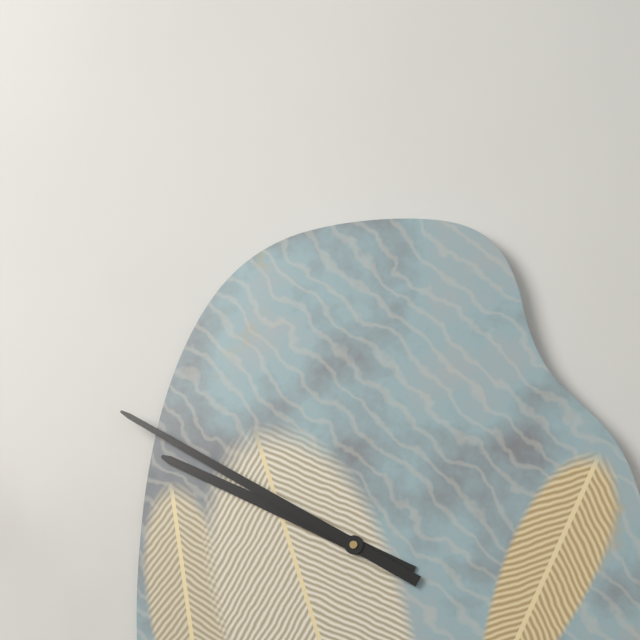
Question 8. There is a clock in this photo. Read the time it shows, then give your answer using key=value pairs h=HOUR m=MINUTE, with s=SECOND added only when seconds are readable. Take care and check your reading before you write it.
h=9 m=50
